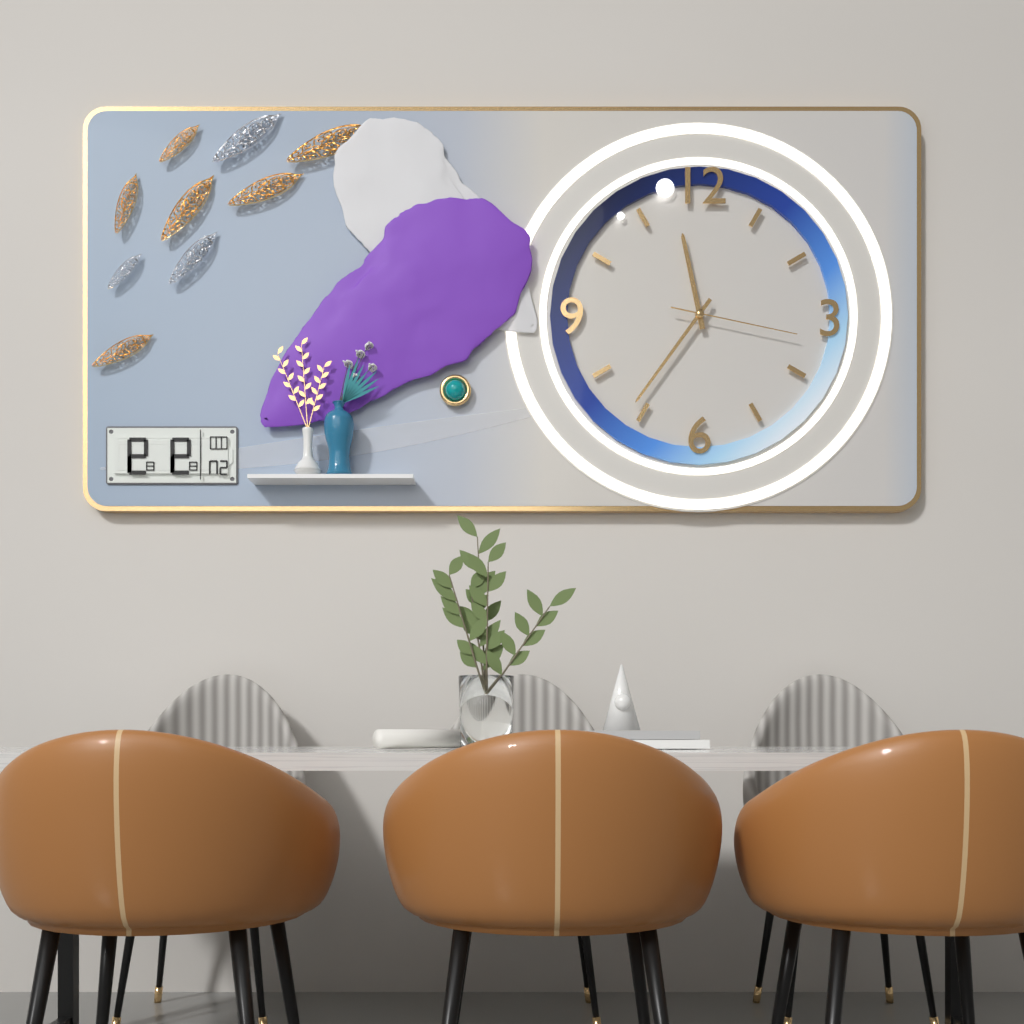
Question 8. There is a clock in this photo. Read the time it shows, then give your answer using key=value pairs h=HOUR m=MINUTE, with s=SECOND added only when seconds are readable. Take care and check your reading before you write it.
h=11 m=36 s=17
